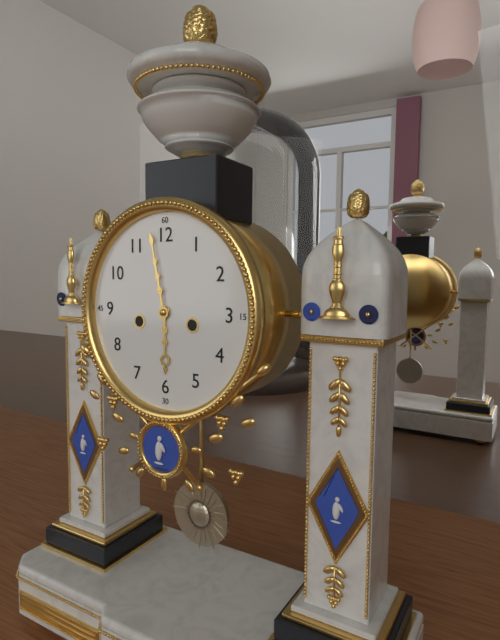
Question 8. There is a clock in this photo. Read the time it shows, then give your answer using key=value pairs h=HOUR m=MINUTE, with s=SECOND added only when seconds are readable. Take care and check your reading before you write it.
h=5 m=58
